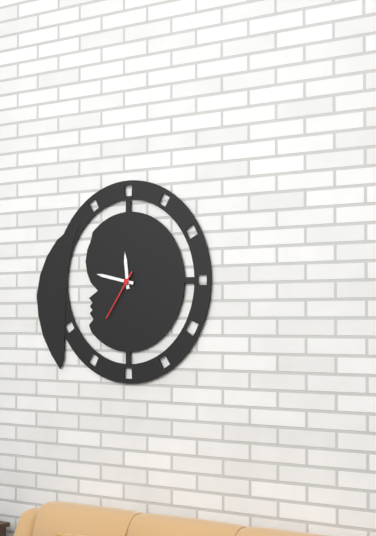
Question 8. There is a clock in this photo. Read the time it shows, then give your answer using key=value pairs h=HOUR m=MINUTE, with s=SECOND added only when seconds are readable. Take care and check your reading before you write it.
h=11 m=47 s=36
